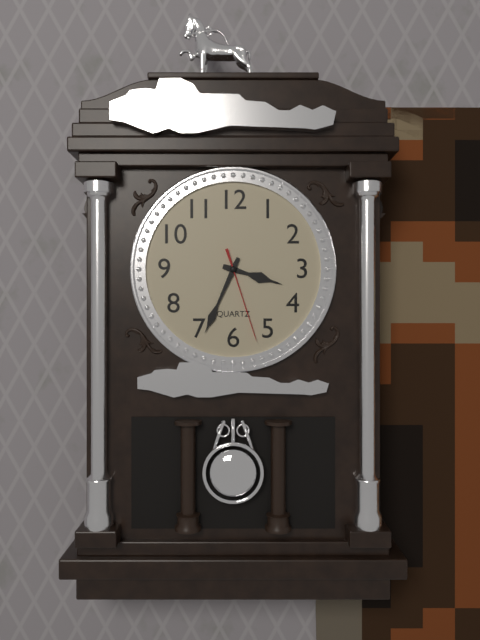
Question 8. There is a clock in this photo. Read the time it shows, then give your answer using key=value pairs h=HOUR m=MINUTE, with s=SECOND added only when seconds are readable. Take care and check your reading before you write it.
h=3 m=34 s=27
